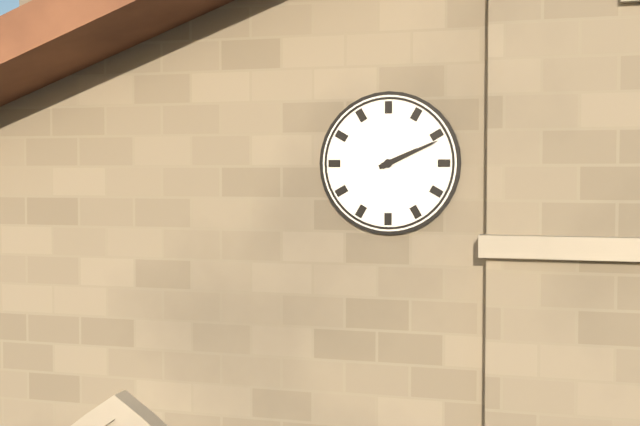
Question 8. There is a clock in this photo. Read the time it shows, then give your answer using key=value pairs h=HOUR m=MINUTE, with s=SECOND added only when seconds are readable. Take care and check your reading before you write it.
h=2 m=11
